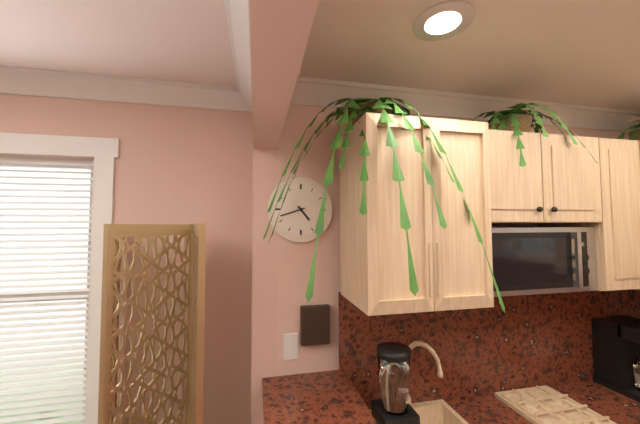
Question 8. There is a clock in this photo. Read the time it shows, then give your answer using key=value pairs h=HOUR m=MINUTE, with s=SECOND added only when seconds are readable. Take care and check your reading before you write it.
h=4 m=42
